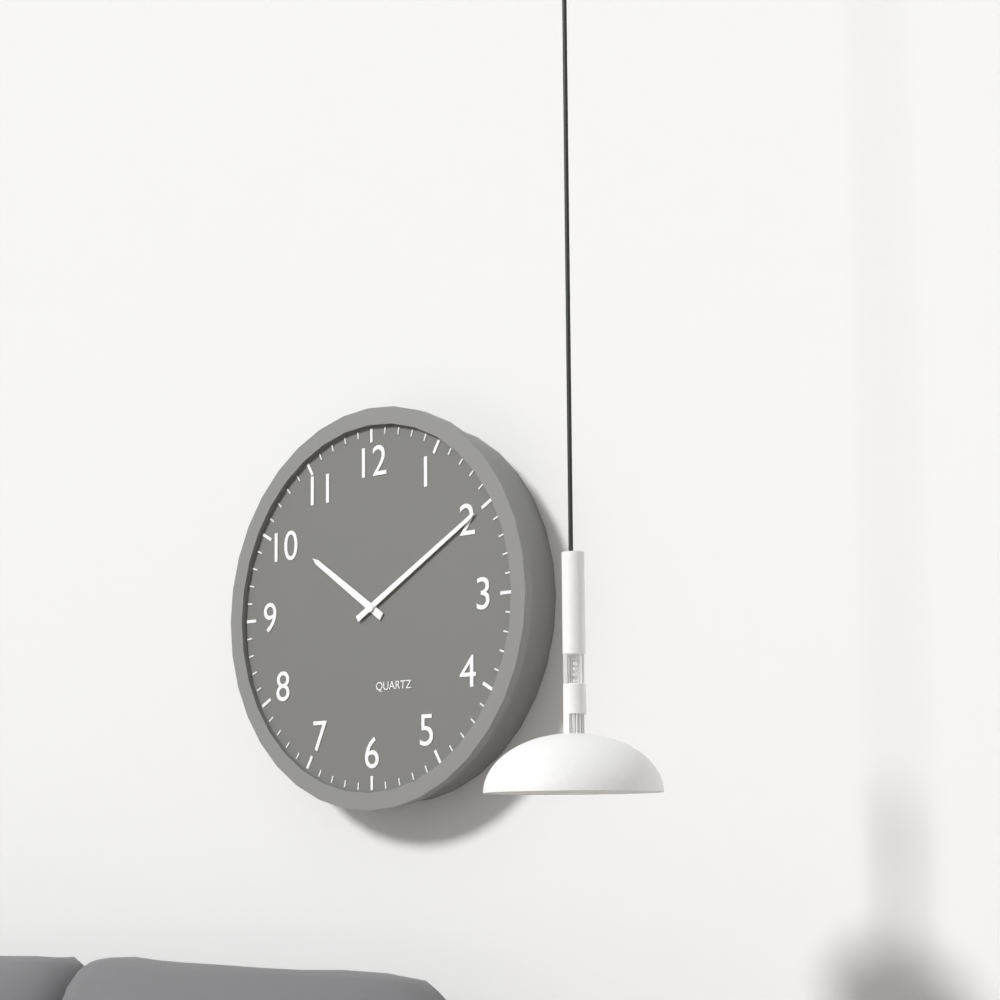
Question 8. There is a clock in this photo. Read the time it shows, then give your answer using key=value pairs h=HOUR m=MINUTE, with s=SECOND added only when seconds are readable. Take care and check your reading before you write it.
h=10 m=10
